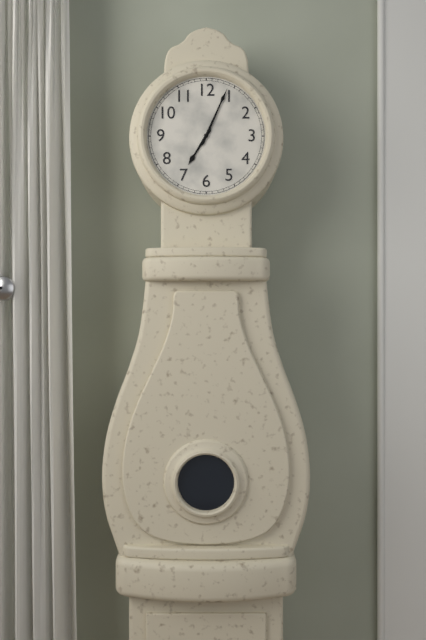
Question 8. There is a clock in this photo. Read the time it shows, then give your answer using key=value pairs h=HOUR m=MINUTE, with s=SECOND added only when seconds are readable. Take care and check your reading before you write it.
h=7 m=4
